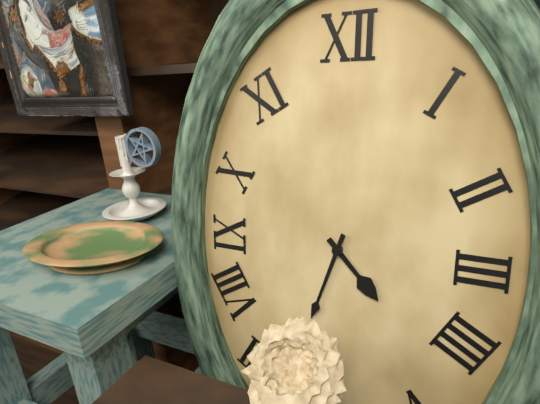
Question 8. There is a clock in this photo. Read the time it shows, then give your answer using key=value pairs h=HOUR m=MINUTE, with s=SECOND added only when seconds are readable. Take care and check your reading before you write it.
h=4 m=33
